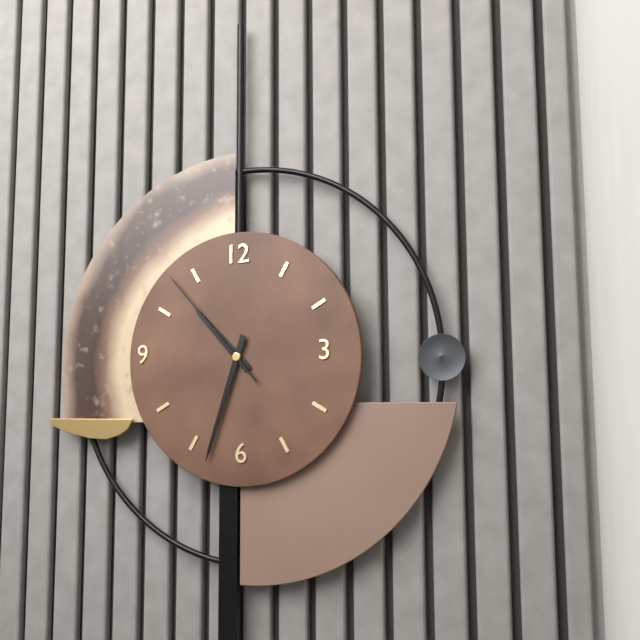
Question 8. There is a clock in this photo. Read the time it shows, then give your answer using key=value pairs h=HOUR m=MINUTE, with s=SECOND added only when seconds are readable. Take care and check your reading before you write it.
h=10 m=33 s=53
